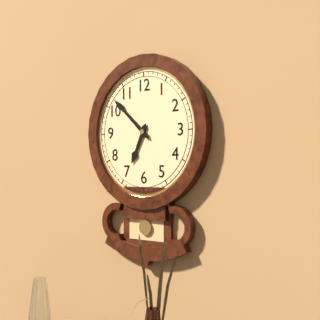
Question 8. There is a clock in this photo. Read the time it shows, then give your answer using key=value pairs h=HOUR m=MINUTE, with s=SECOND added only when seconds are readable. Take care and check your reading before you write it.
h=6 m=52
